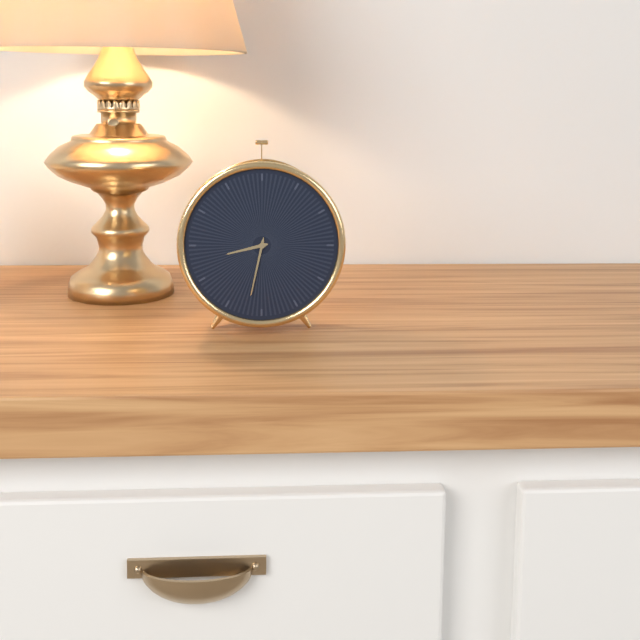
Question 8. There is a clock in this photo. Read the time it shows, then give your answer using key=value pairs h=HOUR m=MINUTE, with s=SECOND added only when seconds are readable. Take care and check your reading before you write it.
h=8 m=32
